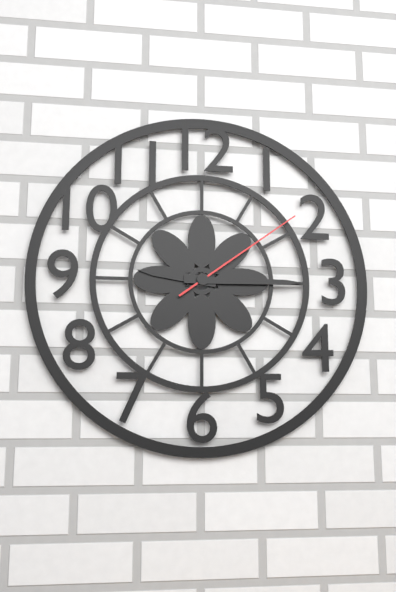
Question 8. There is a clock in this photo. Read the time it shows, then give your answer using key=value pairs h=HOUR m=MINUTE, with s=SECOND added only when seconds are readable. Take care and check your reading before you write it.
h=9 m=15 s=9
